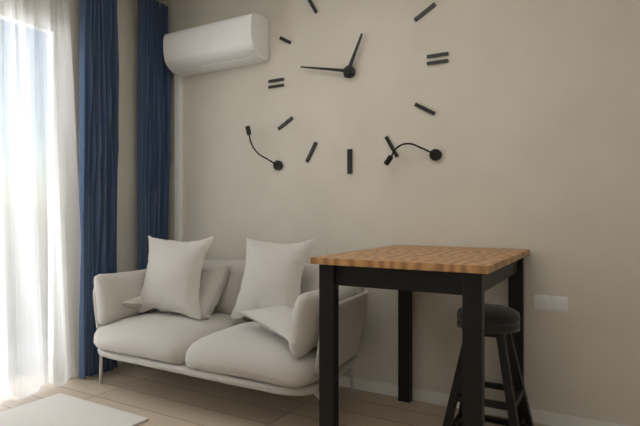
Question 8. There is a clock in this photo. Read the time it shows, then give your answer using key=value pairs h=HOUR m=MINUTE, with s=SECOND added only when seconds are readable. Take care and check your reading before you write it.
h=12 m=47
